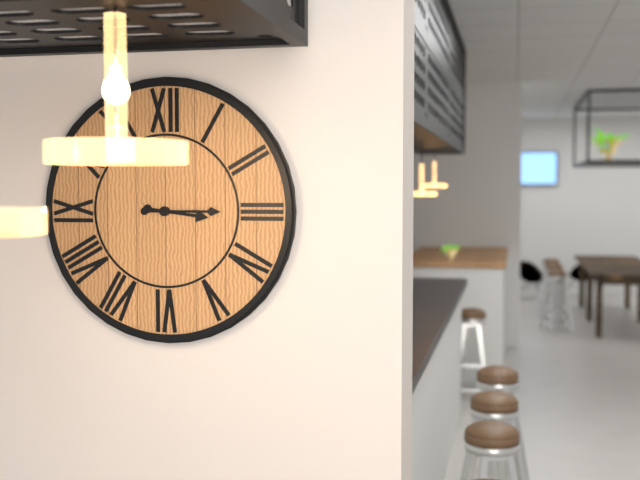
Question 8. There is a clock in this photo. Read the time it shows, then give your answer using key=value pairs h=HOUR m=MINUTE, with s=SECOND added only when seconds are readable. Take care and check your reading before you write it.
h=3 m=15
